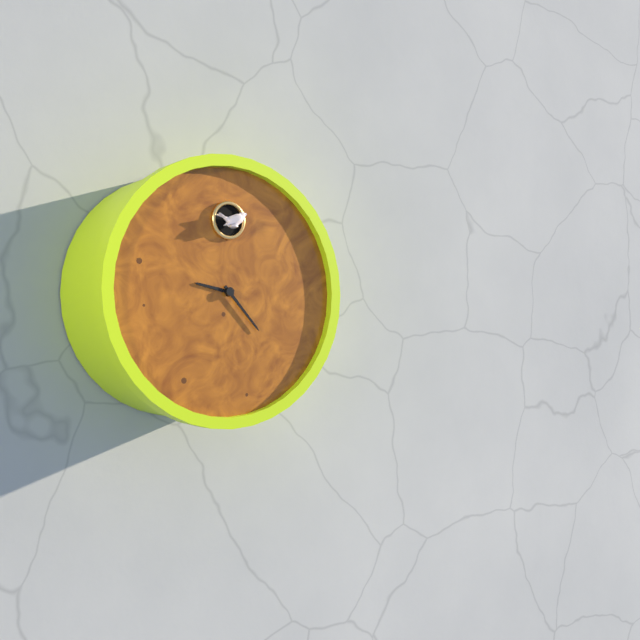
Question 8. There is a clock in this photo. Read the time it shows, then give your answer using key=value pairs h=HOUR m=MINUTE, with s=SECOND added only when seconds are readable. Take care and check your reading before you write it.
h=9 m=23
